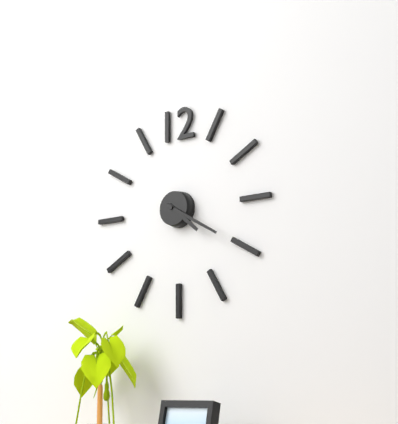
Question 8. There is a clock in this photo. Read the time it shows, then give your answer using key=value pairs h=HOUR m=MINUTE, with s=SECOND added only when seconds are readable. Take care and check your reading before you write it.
h=4 m=20
